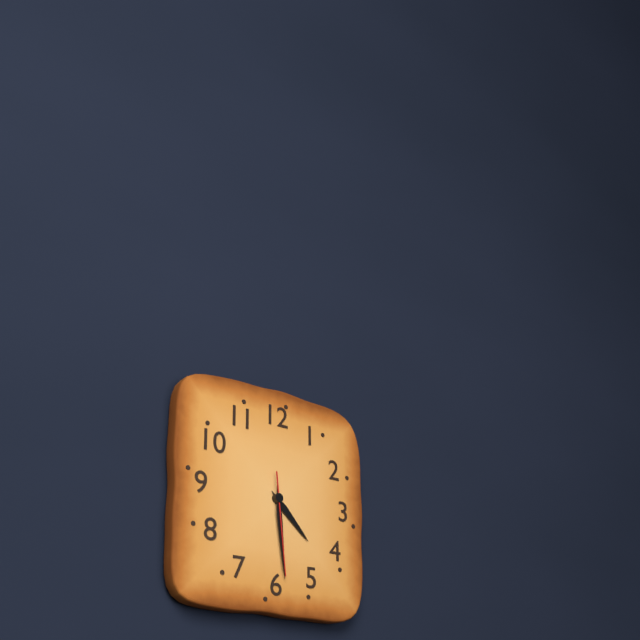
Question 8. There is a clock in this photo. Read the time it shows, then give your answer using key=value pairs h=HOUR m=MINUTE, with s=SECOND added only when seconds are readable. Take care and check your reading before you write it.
h=4 m=29 s=29
